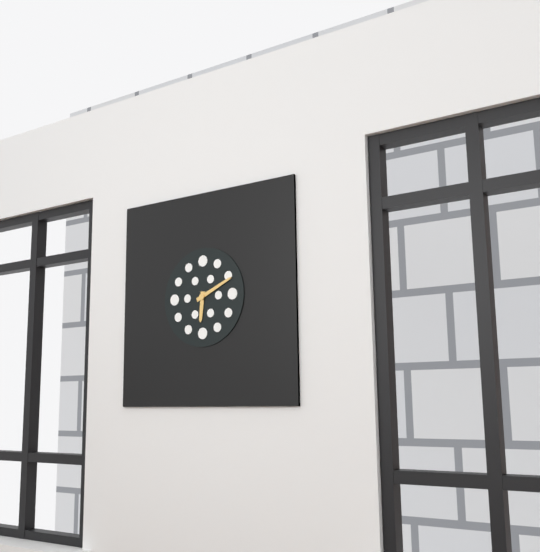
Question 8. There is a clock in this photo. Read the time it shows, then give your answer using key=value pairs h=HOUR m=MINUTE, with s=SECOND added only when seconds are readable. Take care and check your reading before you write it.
h=6 m=11
